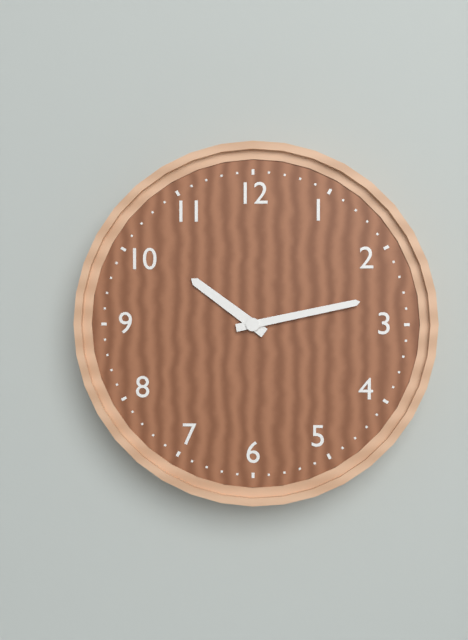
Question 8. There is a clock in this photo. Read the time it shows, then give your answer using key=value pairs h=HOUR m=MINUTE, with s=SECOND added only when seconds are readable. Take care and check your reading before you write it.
h=10 m=13
